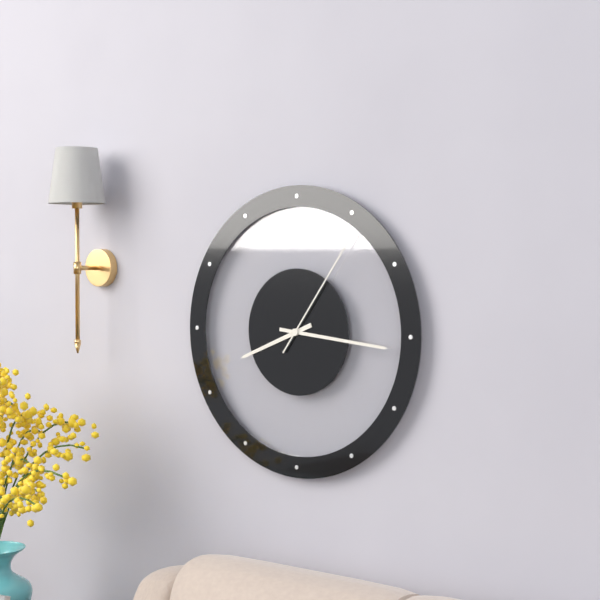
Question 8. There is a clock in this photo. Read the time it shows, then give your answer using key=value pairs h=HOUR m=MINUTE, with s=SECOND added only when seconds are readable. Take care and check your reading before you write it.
h=8 m=16 s=6
